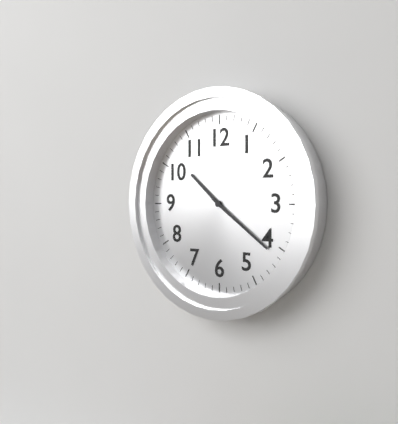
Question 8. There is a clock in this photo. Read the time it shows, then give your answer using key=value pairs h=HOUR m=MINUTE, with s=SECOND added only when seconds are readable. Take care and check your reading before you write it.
h=10 m=21
